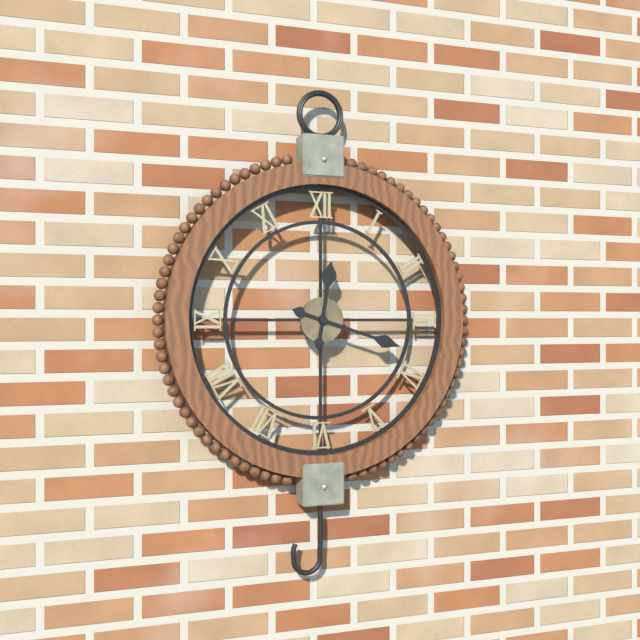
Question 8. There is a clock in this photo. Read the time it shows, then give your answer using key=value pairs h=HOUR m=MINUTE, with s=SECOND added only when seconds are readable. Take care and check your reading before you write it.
h=12 m=18
